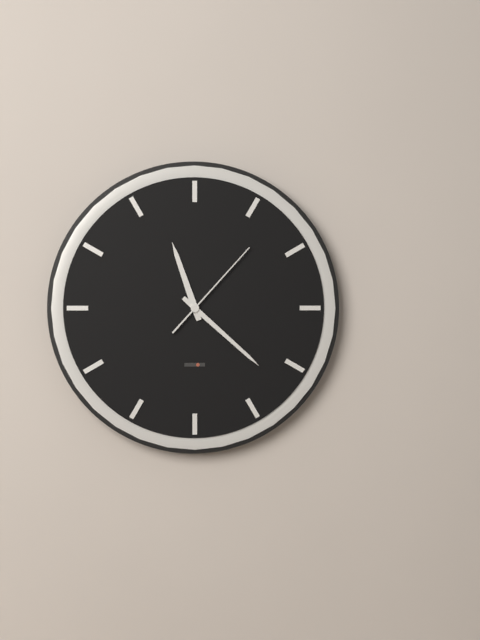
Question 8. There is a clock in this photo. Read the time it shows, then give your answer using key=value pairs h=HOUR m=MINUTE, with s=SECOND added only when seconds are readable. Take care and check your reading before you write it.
h=11 m=22 s=7
